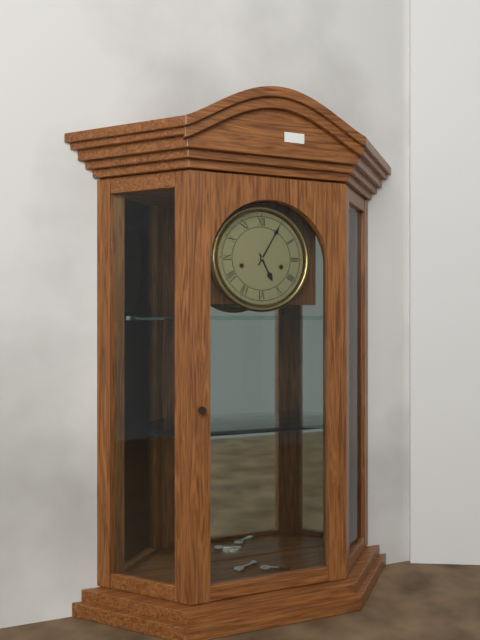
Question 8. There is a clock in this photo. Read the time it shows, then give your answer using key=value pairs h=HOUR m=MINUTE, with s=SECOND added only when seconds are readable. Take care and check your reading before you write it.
h=5 m=5
